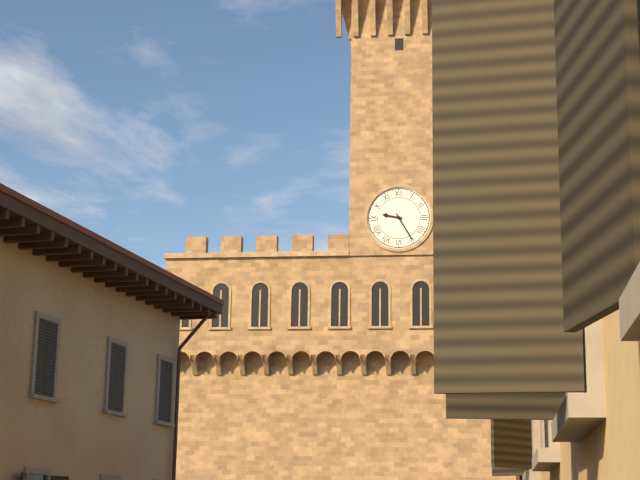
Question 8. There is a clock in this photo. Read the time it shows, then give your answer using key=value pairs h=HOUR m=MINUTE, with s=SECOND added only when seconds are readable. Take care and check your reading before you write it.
h=9 m=25
